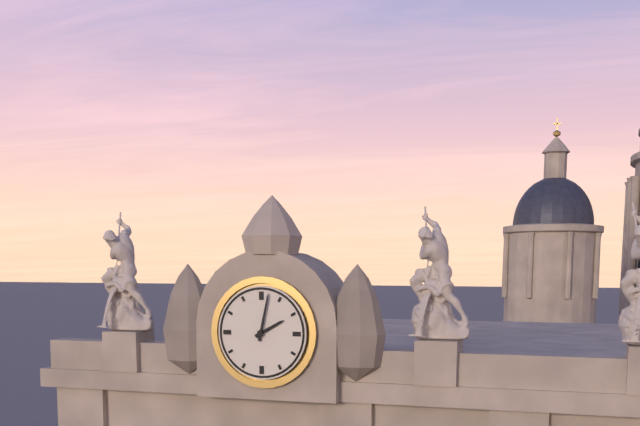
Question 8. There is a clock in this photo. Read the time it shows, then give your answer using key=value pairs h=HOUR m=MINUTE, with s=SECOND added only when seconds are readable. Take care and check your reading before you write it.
h=2 m=2
